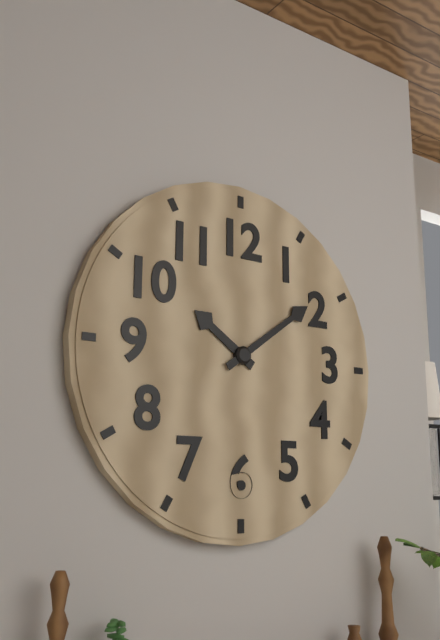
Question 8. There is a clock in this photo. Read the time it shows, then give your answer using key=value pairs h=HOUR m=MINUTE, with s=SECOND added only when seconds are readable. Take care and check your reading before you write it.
h=10 m=9
